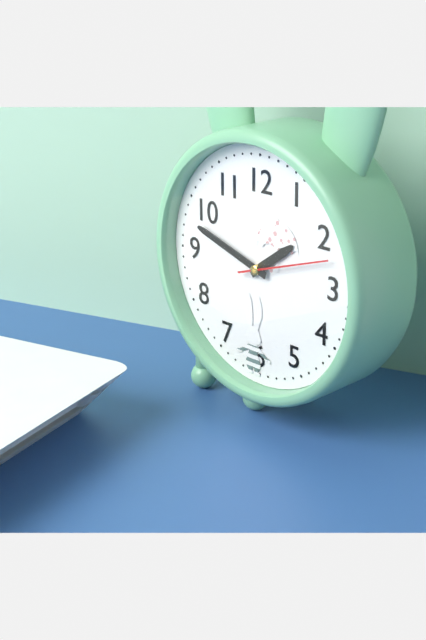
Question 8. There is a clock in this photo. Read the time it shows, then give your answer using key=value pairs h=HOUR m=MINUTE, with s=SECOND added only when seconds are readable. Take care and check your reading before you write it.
h=1 m=48 s=12
